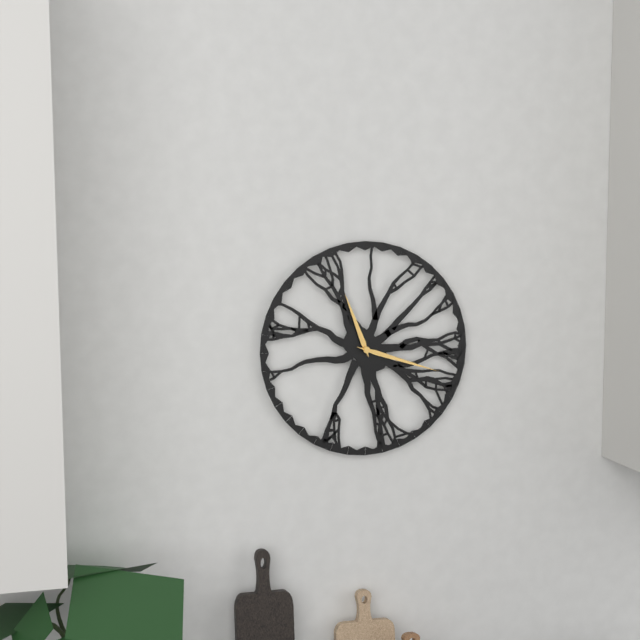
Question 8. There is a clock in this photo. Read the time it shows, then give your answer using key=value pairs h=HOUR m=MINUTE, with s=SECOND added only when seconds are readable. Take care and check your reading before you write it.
h=11 m=18
